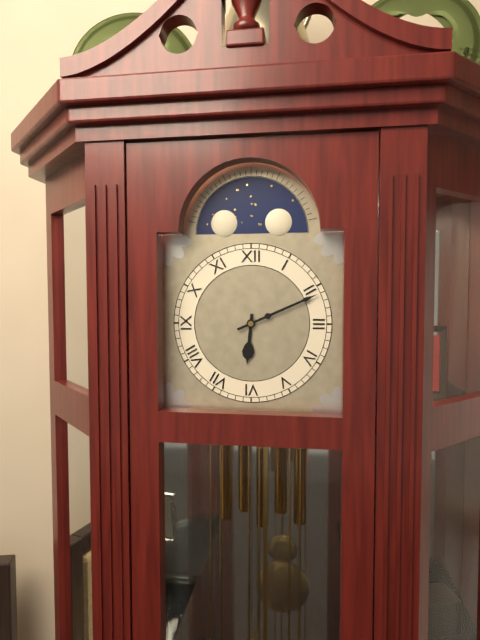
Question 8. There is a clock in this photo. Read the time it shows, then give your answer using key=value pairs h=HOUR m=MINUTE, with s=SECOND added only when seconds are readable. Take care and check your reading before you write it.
h=6 m=11
